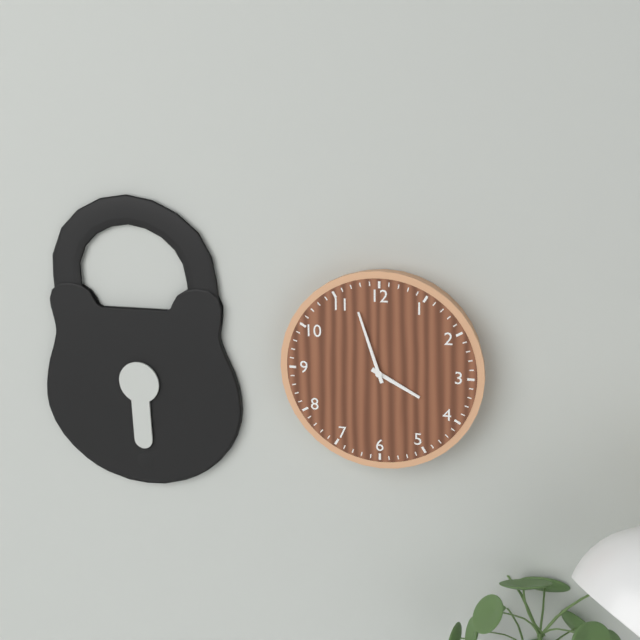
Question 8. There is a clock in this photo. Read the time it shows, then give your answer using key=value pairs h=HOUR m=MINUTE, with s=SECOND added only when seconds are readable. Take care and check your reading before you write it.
h=3 m=57
